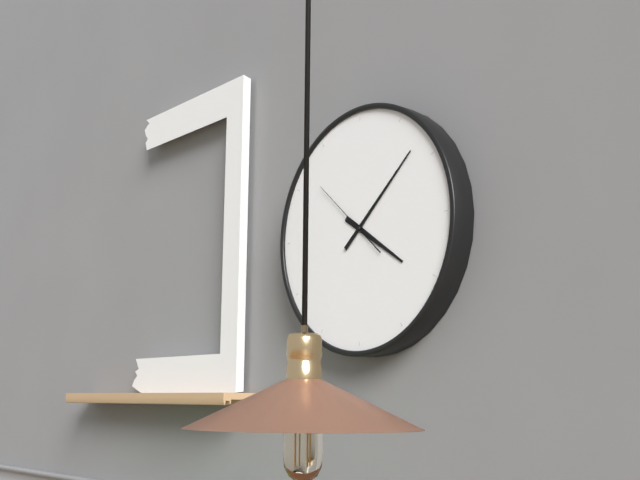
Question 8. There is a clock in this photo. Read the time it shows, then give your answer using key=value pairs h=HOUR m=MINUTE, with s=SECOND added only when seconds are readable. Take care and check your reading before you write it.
h=4 m=8 s=52
